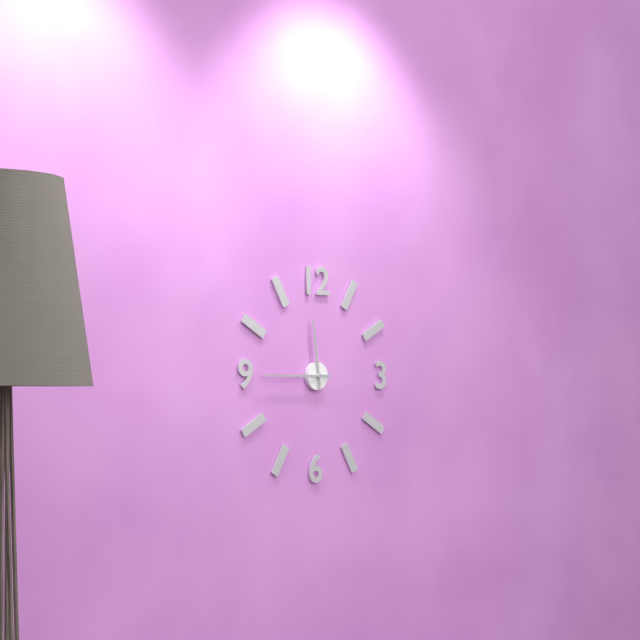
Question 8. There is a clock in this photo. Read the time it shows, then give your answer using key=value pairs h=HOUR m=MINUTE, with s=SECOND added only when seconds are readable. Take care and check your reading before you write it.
h=11 m=45
